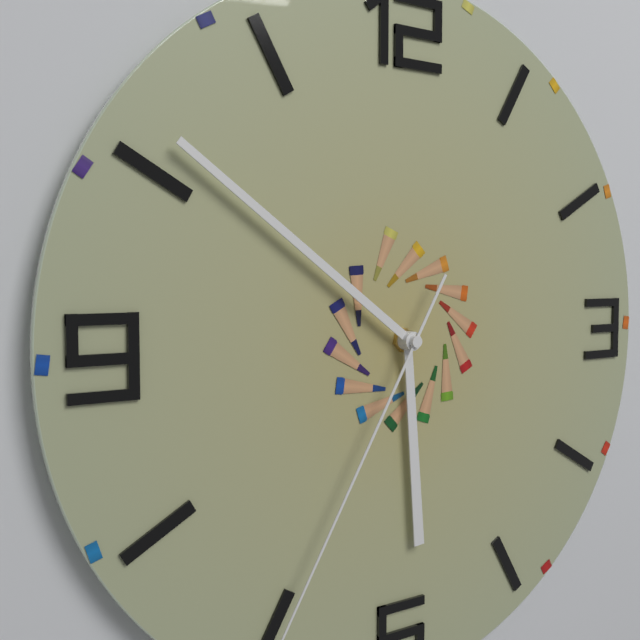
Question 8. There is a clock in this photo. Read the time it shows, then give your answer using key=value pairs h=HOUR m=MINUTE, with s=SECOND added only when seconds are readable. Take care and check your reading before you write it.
h=5 m=51
